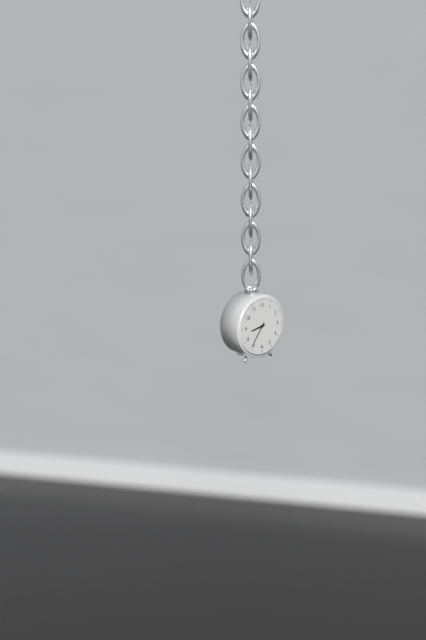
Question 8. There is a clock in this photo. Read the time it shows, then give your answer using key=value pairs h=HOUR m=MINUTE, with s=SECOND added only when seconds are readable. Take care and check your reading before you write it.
h=8 m=36
